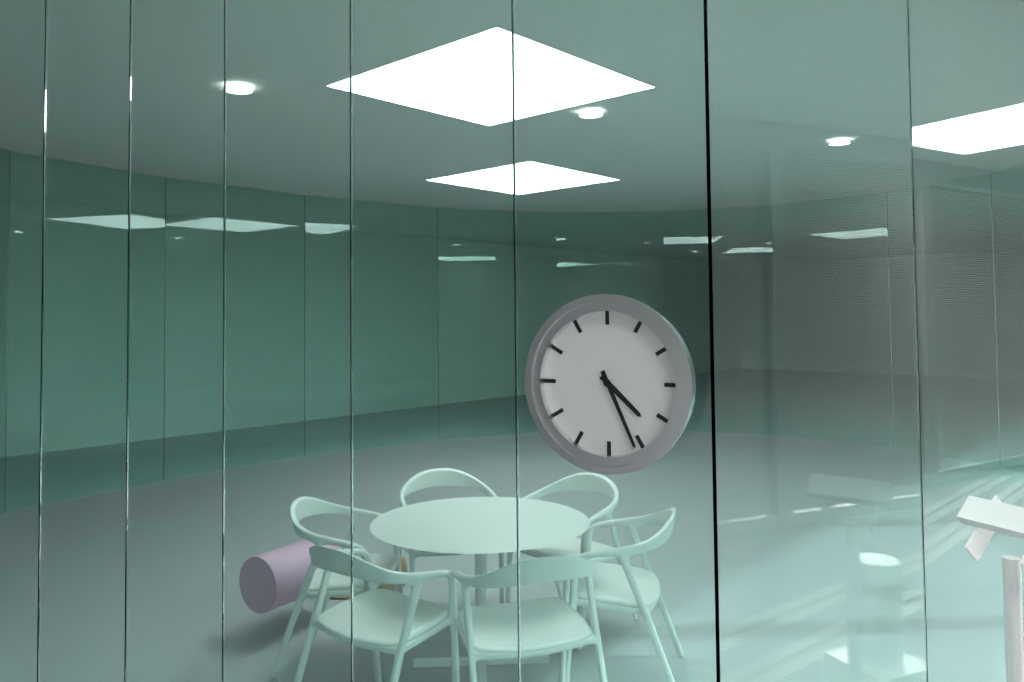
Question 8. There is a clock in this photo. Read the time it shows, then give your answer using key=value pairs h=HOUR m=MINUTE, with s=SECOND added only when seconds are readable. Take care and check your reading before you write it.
h=4 m=26
